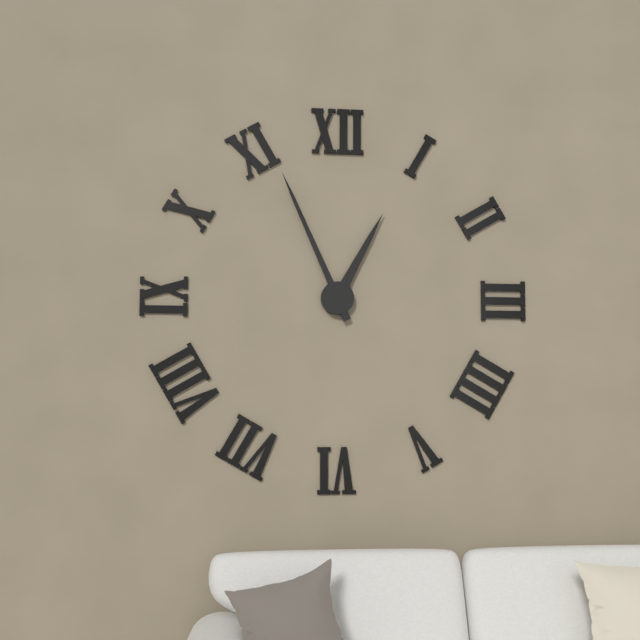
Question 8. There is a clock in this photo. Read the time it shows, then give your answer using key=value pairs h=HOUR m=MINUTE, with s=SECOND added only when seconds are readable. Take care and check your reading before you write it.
h=12 m=56
